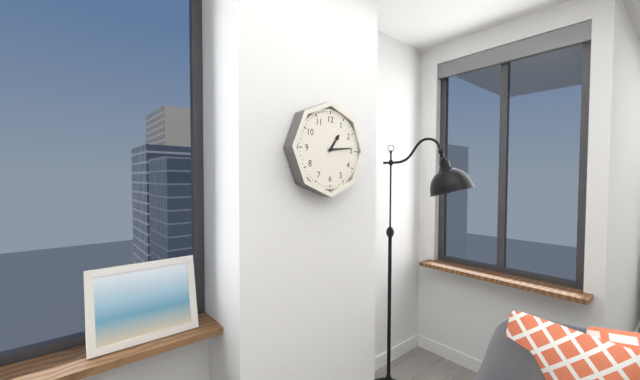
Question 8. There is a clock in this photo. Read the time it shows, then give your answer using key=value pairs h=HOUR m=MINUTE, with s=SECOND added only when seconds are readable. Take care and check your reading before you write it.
h=1 m=14
